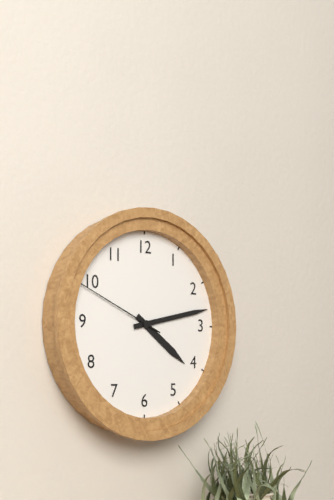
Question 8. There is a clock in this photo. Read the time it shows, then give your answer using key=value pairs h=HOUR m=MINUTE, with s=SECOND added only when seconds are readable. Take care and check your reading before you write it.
h=4 m=13 s=49
